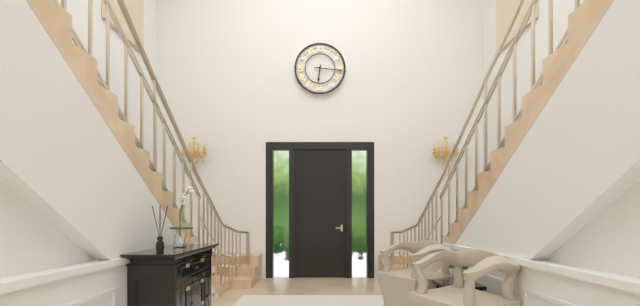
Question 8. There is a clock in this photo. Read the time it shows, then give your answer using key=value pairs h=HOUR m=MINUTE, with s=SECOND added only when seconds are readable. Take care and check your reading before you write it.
h=6 m=16
